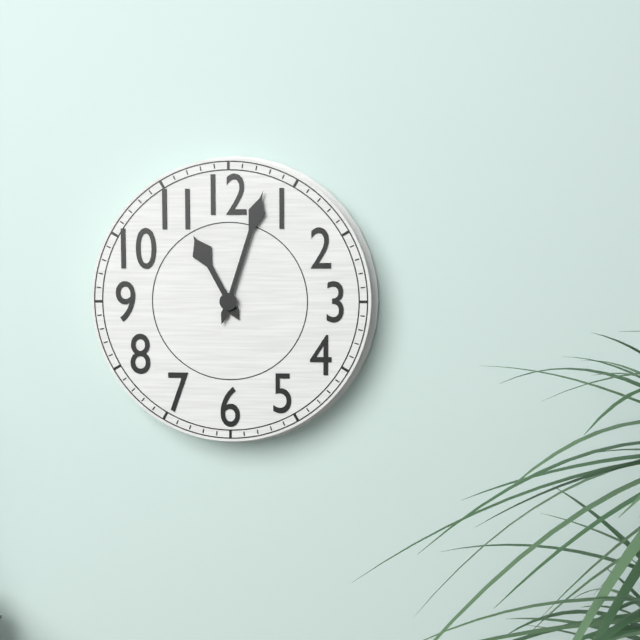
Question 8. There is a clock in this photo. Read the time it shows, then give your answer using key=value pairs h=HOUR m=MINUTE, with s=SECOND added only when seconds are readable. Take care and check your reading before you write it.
h=11 m=3
